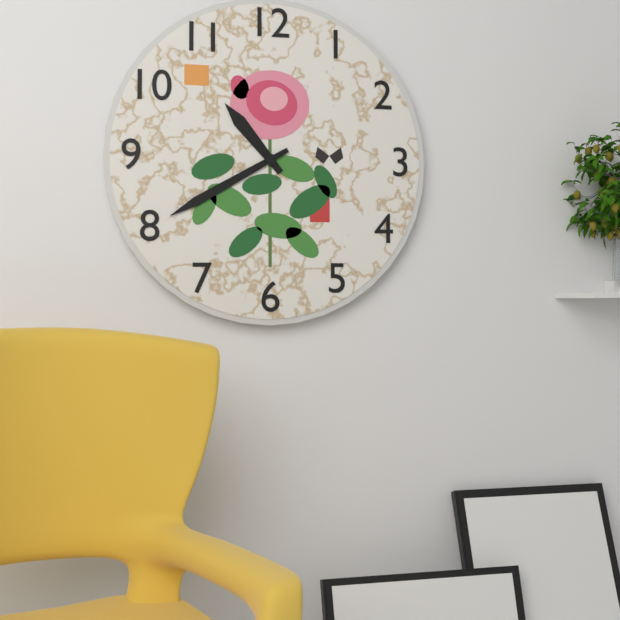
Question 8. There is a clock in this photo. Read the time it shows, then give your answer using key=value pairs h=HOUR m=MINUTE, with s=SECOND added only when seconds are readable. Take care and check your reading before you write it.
h=10 m=40
